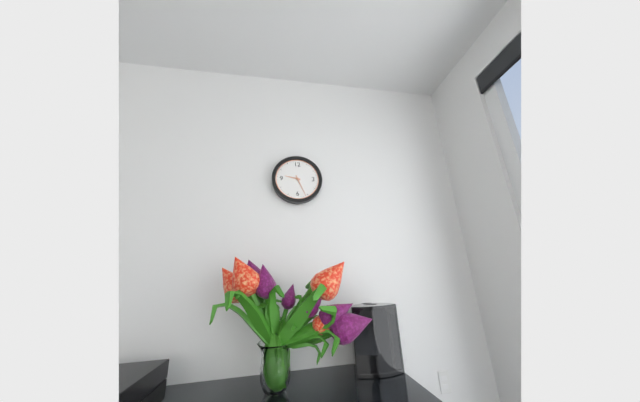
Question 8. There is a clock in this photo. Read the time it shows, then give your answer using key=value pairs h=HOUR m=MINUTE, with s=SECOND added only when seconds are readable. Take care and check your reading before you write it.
h=9 m=26
